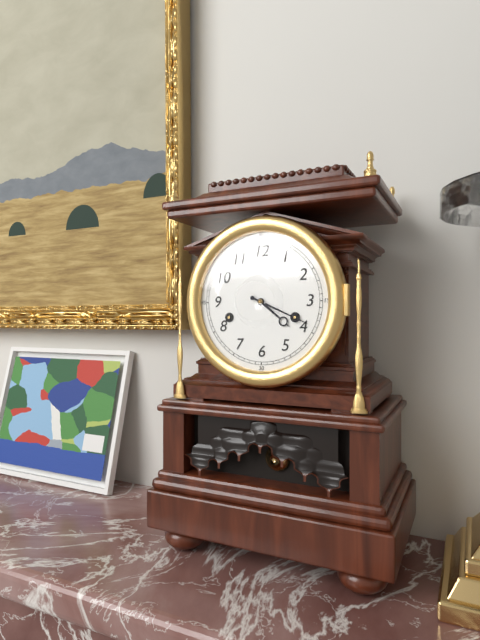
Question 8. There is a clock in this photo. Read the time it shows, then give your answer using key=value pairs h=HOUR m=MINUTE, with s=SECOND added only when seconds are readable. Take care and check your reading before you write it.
h=4 m=19
